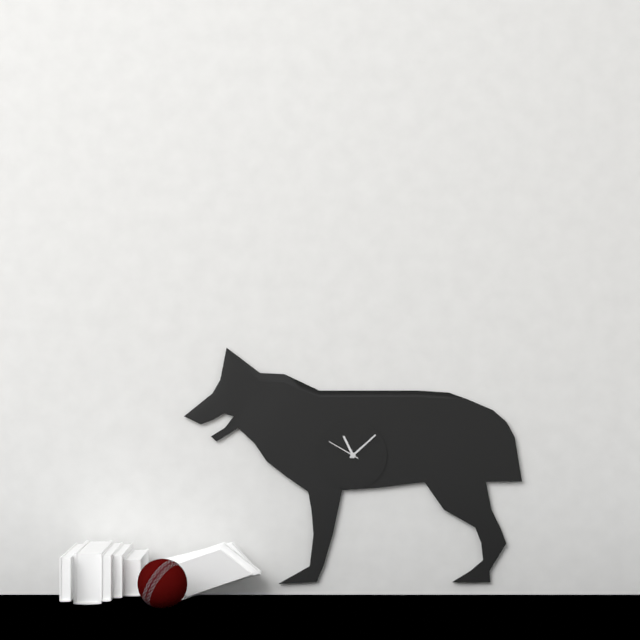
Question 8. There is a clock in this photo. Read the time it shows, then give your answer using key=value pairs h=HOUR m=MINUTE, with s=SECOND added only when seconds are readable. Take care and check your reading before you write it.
h=11 m=8
